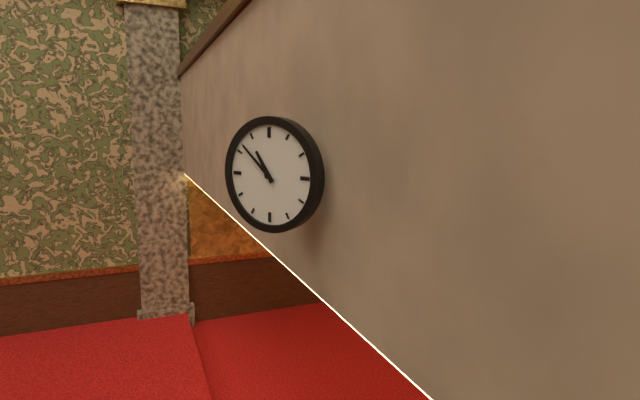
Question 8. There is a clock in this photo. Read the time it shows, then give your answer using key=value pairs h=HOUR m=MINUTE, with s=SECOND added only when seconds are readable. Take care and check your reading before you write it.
h=10 m=52
